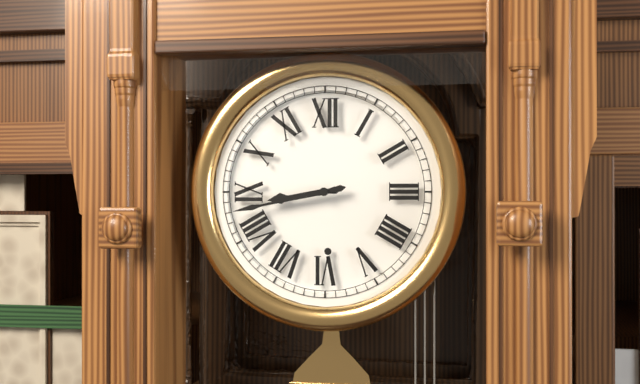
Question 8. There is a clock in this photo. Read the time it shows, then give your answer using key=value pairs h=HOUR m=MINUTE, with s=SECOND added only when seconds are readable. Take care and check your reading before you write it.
h=8 m=43
